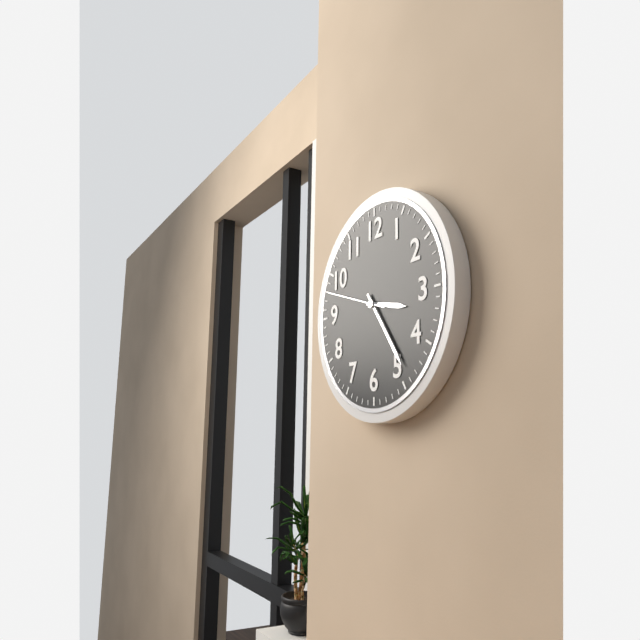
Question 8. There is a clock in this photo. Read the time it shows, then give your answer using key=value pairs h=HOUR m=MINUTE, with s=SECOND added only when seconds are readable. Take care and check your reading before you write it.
h=3 m=24 s=48
